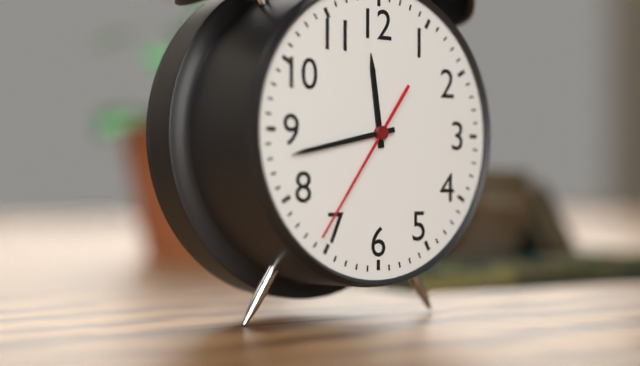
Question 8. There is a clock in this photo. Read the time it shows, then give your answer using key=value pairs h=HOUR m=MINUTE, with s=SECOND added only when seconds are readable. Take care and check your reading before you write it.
h=11 m=43 s=36
